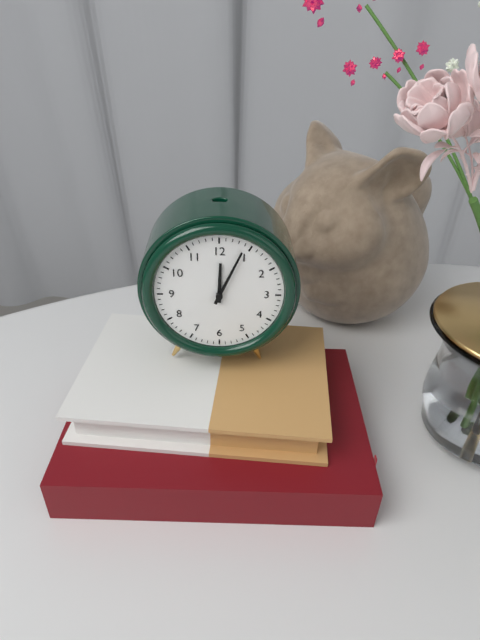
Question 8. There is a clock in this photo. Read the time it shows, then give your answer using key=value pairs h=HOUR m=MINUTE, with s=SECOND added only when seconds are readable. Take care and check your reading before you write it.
h=12 m=4
